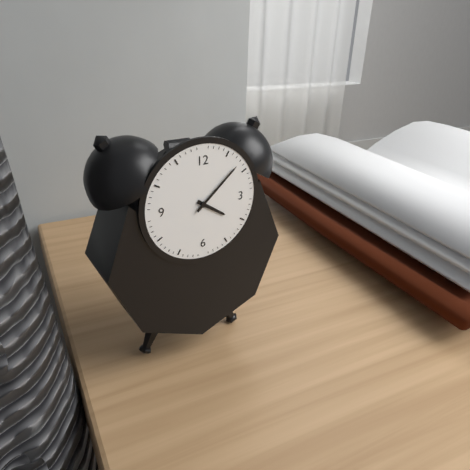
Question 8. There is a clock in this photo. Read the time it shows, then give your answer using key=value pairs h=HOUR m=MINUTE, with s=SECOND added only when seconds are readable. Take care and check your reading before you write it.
h=4 m=8
